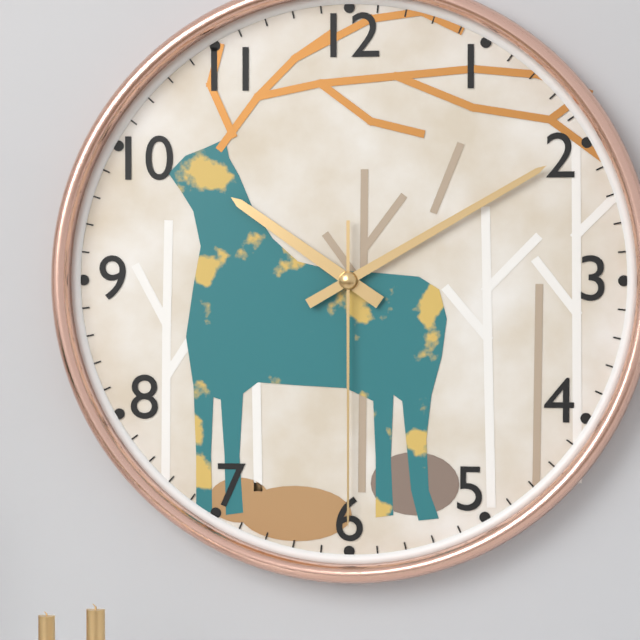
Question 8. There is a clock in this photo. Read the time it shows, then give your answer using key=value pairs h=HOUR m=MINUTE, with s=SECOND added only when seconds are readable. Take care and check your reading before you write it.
h=10 m=10 s=30
